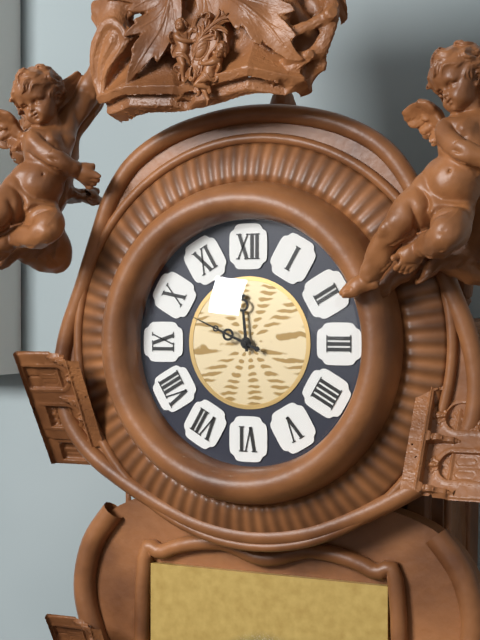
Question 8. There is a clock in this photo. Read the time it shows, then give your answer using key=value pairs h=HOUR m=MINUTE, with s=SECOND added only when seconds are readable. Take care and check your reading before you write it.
h=11 m=49
